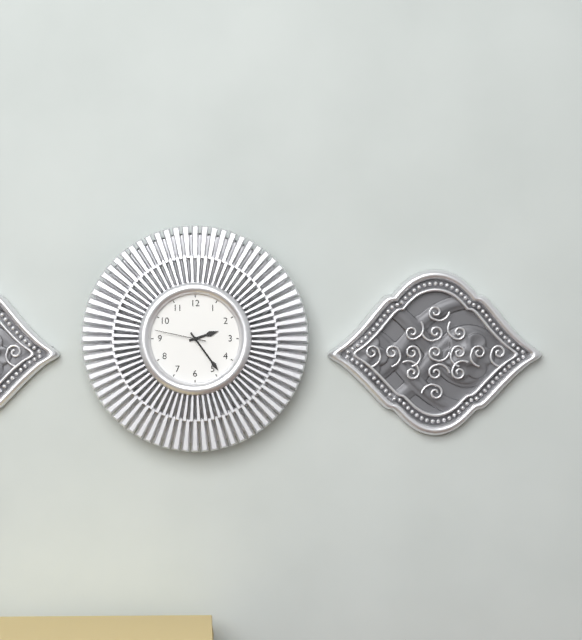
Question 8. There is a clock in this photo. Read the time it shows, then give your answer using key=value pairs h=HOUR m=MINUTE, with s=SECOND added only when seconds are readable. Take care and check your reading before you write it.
h=2 m=24 s=47
